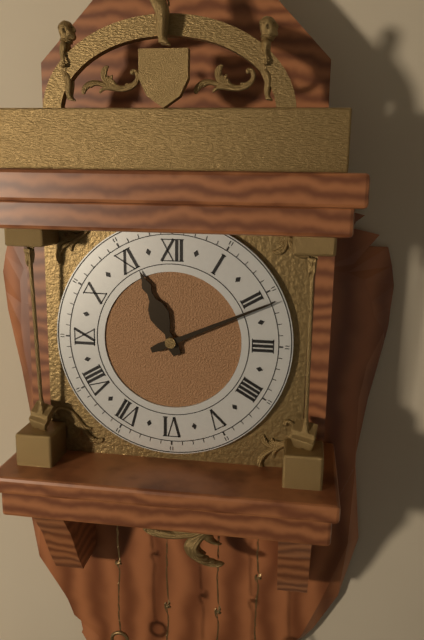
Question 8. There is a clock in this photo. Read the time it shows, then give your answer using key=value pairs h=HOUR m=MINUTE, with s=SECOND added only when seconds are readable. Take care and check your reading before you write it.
h=11 m=11
